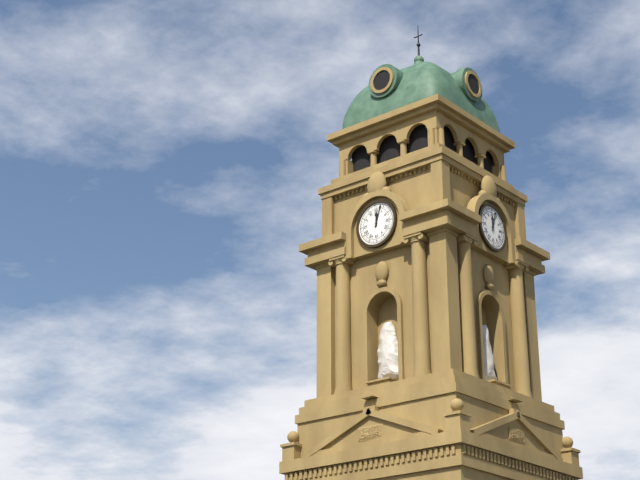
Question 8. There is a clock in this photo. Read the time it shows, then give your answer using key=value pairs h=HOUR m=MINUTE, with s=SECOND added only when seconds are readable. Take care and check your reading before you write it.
h=12 m=3
